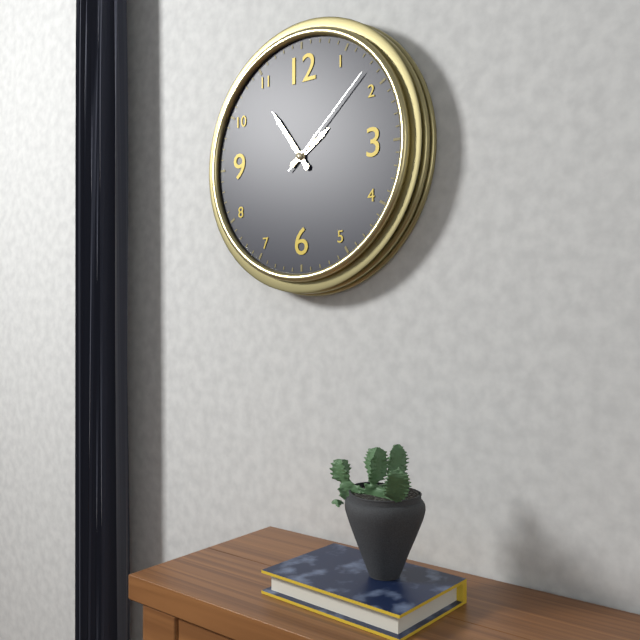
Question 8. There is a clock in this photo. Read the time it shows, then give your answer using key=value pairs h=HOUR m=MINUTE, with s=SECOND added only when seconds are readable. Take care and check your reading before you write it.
h=1 m=54 s=8
